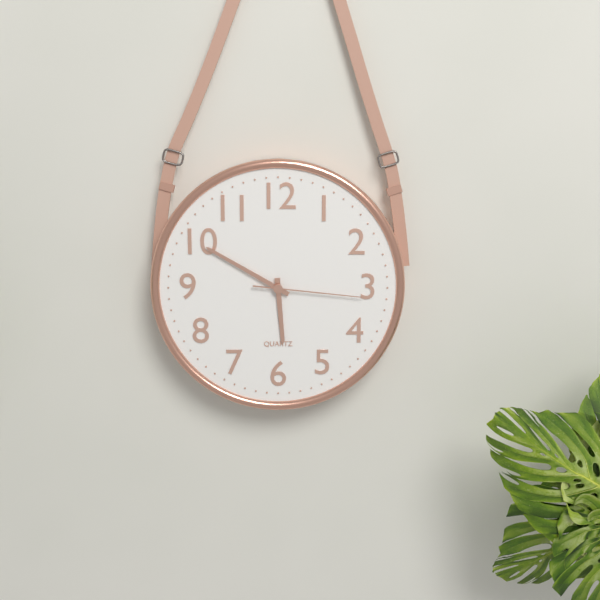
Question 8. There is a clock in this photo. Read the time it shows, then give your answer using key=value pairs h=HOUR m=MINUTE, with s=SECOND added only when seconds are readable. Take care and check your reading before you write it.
h=5 m=50 s=16
